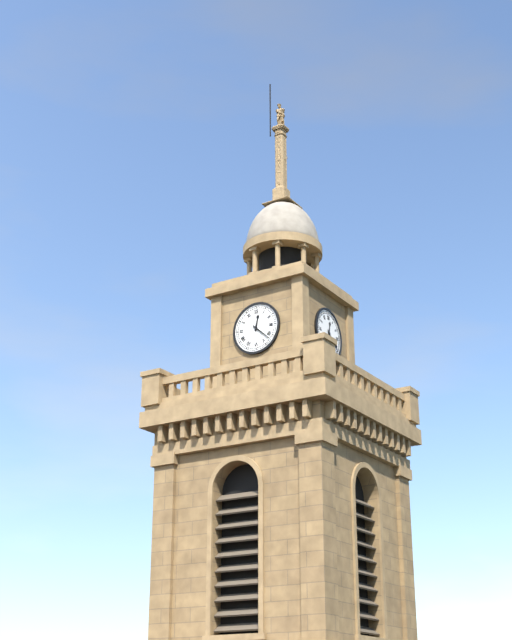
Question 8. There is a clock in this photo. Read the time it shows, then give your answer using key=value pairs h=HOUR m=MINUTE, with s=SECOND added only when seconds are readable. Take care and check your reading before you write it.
h=12 m=22
